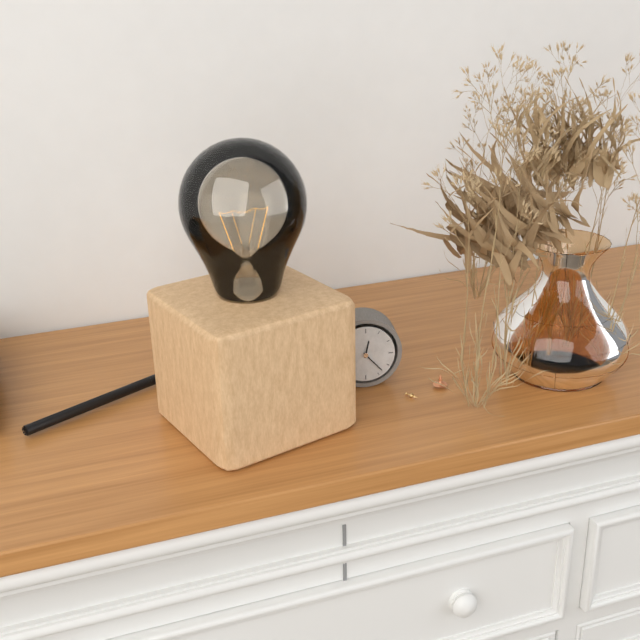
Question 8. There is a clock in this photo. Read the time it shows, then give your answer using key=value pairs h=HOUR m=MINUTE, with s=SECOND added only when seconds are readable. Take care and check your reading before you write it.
h=12 m=23
